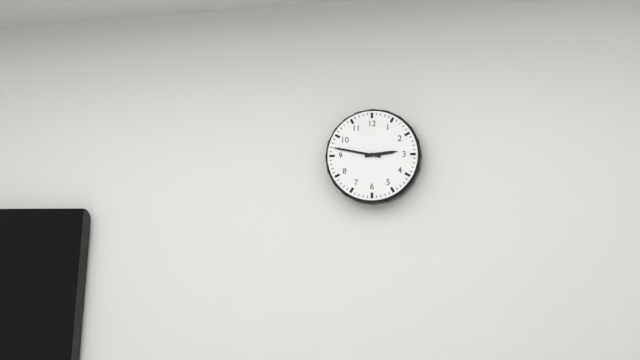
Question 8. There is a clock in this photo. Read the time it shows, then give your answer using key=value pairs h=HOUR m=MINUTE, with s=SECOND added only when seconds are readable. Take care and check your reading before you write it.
h=2 m=47
